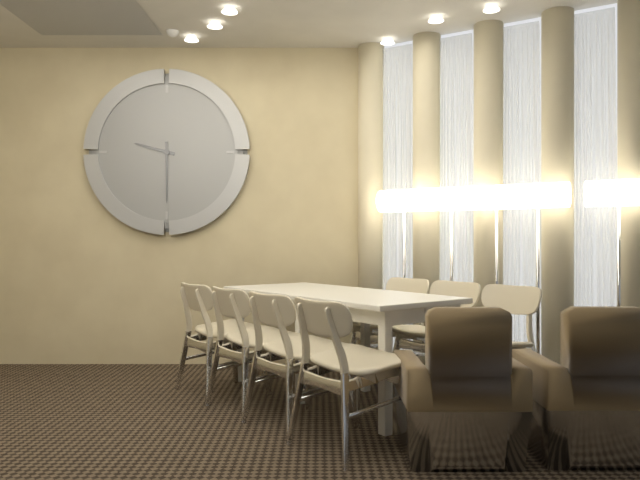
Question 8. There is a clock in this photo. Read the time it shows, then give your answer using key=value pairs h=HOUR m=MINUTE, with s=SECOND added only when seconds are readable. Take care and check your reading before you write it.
h=9 m=30
